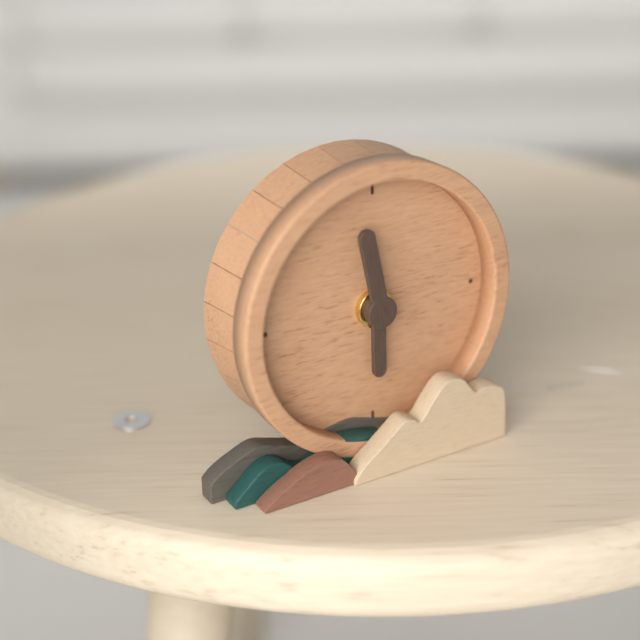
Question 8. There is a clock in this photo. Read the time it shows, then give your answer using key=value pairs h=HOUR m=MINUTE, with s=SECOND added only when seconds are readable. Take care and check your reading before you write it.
h=5 m=58
